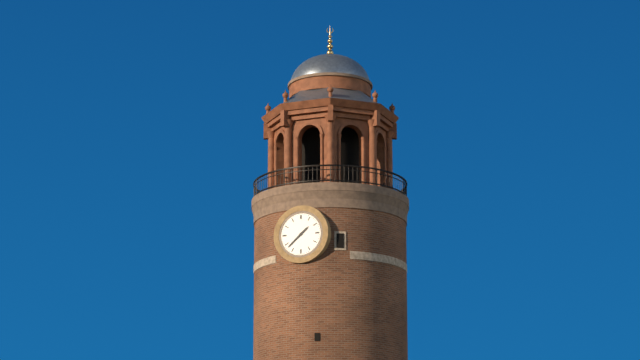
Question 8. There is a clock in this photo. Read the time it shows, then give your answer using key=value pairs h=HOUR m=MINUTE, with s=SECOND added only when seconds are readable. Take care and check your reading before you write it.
h=1 m=38
